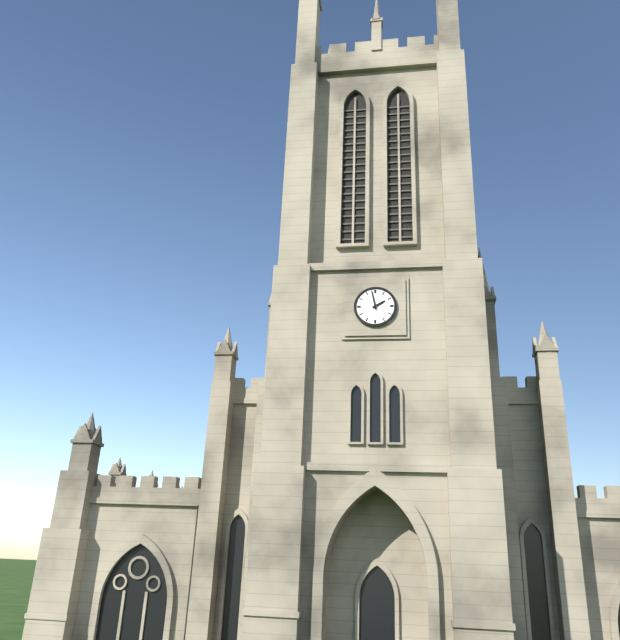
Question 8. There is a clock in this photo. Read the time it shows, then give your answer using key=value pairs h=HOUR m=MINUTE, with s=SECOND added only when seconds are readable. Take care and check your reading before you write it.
h=1 m=58
